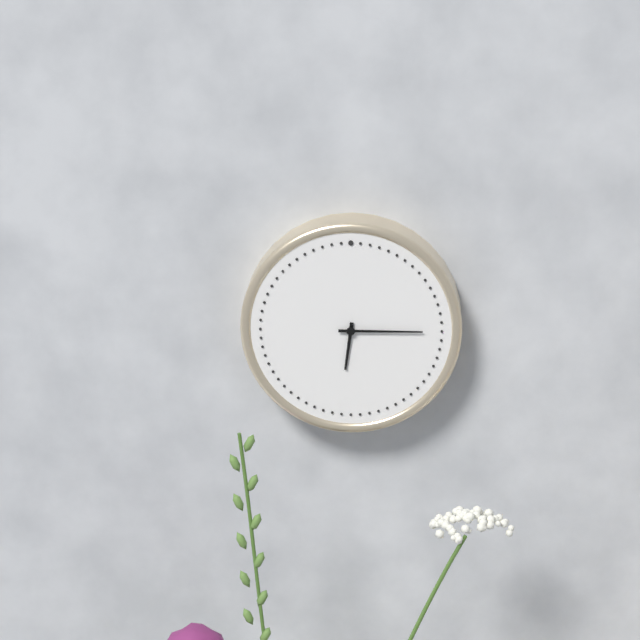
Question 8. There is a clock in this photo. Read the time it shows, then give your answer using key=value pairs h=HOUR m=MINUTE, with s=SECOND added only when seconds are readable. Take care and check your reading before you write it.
h=6 m=15
